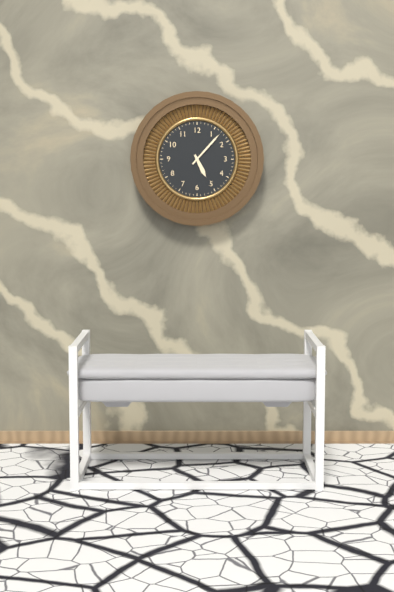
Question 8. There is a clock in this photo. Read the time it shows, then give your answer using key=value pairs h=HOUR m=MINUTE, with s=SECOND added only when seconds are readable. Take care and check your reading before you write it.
h=5 m=7
